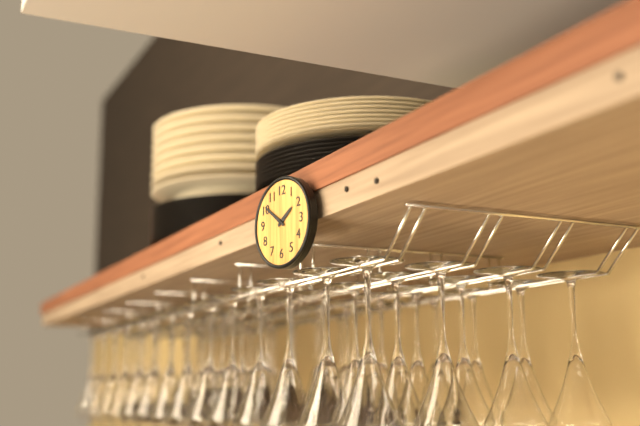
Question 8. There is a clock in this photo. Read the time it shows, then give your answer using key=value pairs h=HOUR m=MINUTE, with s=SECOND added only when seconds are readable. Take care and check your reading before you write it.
h=1 m=51
